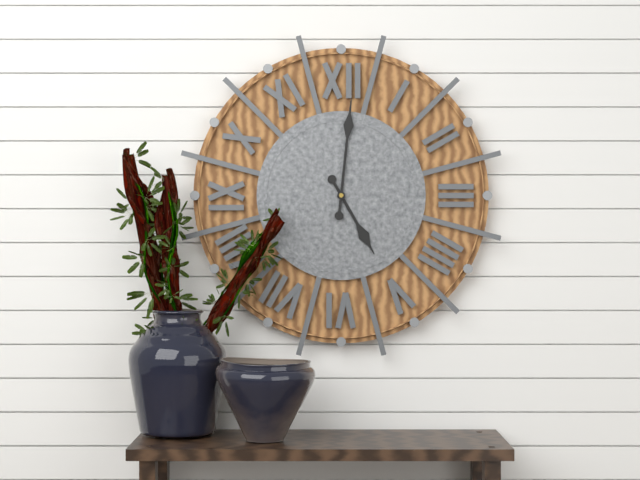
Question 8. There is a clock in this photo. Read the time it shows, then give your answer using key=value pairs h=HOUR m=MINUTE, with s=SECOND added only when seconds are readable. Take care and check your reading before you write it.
h=5 m=1
